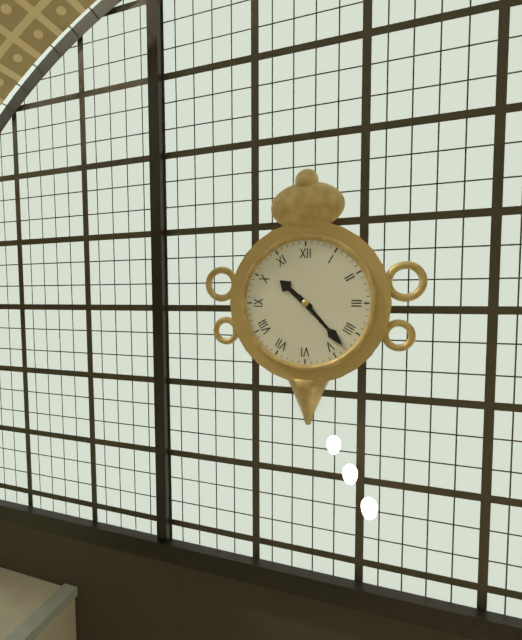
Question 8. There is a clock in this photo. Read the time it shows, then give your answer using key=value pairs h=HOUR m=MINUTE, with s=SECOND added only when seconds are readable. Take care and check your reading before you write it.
h=10 m=23
